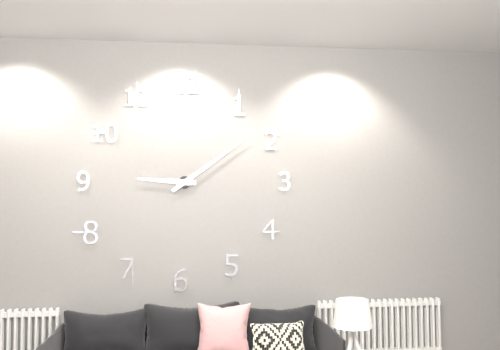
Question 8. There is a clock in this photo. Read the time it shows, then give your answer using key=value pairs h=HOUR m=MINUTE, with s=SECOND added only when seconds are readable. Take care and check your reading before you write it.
h=9 m=9
